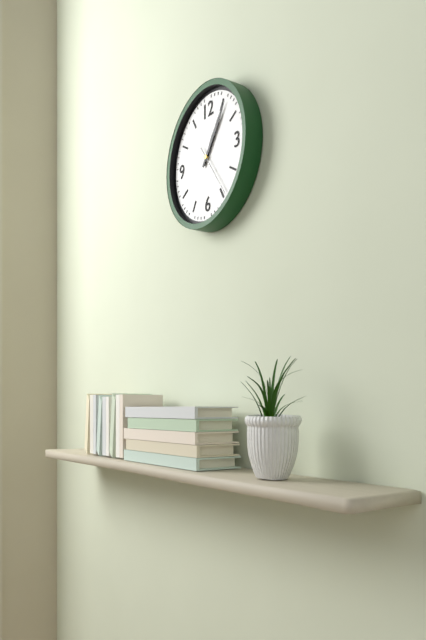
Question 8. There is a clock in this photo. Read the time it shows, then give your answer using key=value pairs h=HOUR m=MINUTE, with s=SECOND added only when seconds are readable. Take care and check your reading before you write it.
h=1 m=6 s=24
